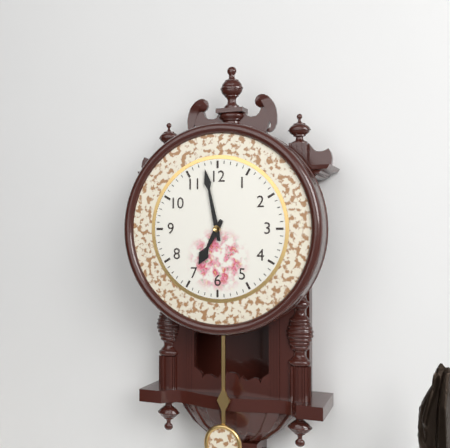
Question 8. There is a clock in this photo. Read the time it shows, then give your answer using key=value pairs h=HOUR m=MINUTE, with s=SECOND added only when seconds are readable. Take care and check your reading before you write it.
h=6 m=58
